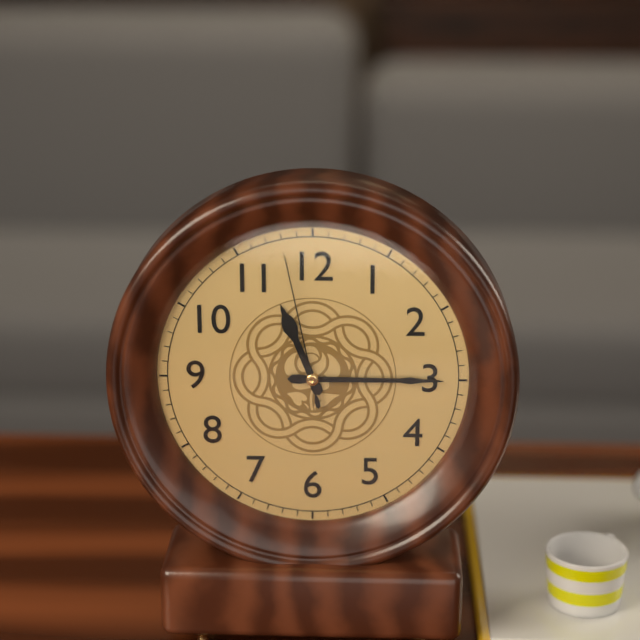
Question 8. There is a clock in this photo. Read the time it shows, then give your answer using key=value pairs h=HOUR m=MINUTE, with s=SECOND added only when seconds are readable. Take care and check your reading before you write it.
h=11 m=15 s=58
